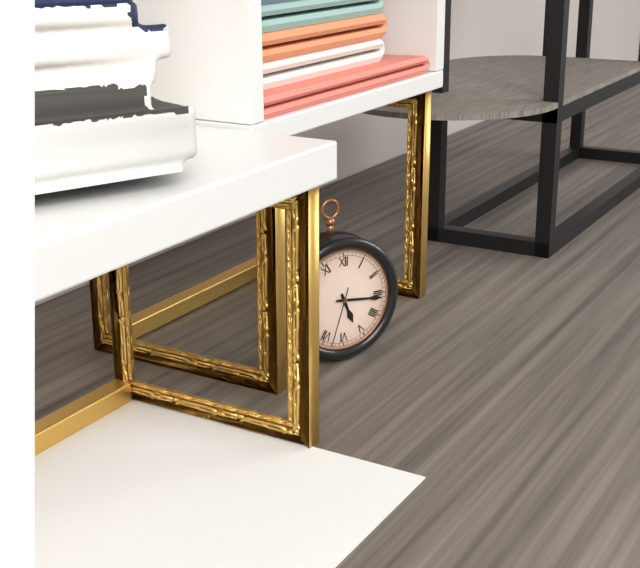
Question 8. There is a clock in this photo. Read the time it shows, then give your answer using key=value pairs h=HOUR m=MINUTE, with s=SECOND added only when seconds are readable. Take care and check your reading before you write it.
h=5 m=16 s=33
